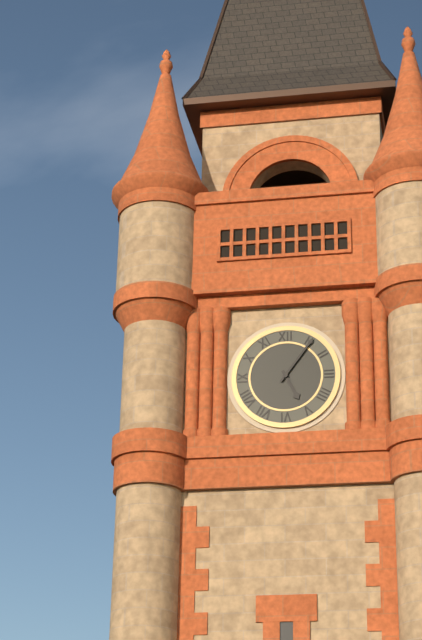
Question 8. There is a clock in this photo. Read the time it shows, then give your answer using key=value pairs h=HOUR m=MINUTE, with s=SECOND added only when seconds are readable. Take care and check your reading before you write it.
h=5 m=6
